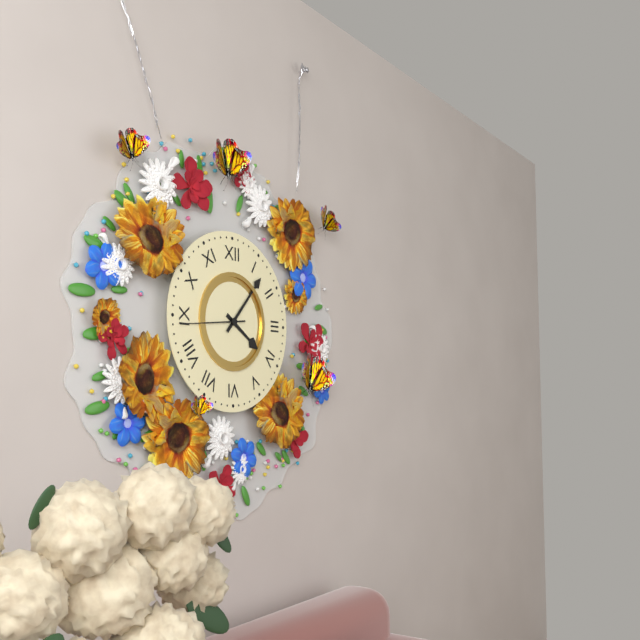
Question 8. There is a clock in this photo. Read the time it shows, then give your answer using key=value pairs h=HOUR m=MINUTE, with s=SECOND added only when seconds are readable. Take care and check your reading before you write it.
h=4 m=7 s=44
